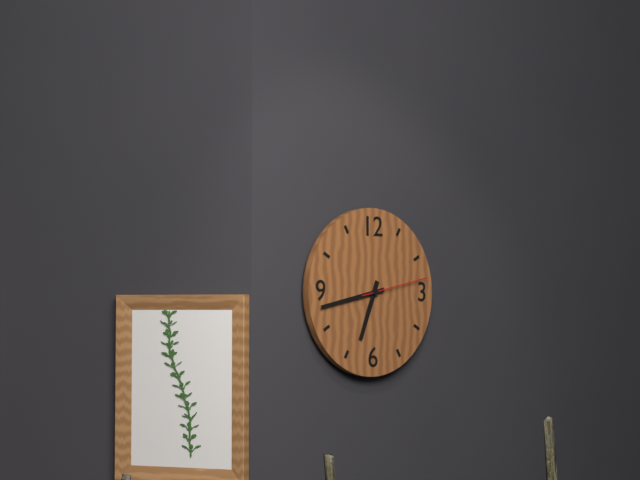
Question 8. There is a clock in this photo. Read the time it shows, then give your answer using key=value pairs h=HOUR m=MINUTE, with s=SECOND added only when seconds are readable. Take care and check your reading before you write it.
h=6 m=43 s=13
